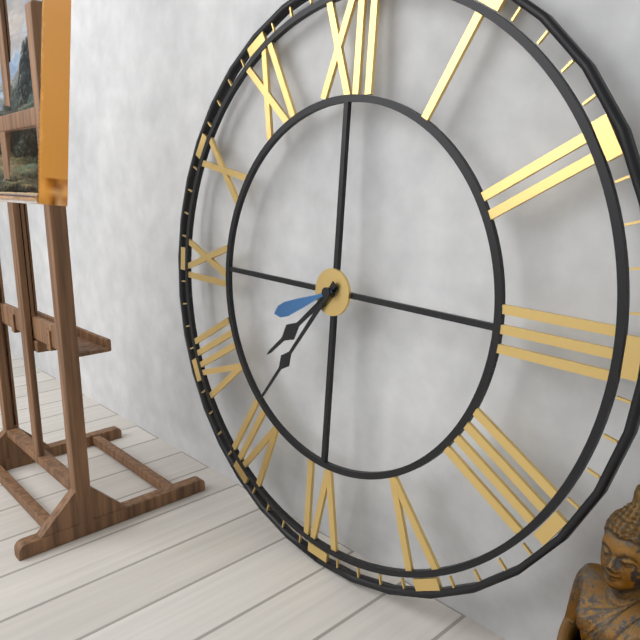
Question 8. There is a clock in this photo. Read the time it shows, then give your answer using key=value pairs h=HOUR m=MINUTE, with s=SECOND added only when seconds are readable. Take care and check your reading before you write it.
h=7 m=36 s=41
